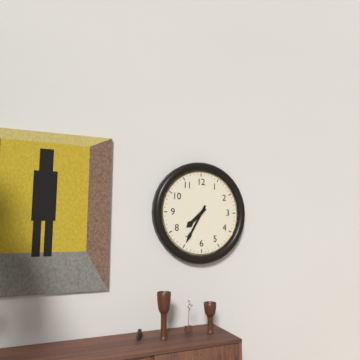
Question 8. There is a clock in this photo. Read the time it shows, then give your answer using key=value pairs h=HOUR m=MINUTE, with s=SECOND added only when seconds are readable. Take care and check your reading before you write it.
h=7 m=35
